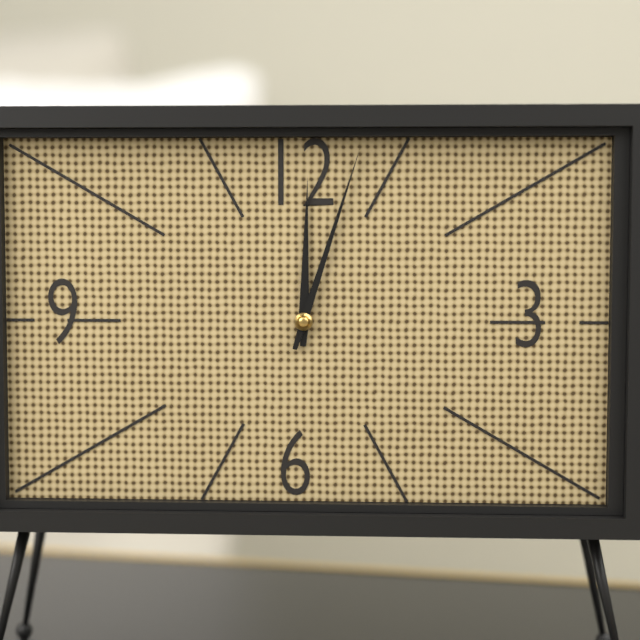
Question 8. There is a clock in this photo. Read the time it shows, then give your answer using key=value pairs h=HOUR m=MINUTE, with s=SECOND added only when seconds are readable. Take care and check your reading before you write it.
h=12 m=3
